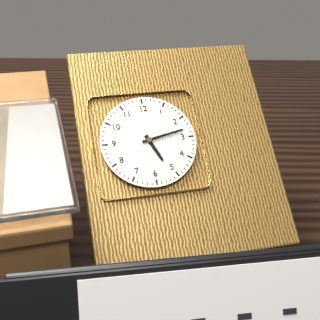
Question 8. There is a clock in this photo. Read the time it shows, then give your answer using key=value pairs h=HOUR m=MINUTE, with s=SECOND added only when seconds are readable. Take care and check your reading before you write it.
h=5 m=13
